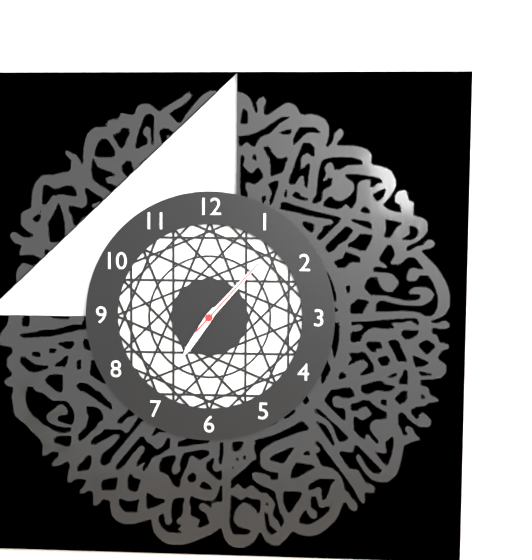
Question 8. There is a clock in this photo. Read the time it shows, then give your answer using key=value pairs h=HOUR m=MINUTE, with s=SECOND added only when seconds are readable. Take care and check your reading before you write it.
h=7 m=7 s=7
